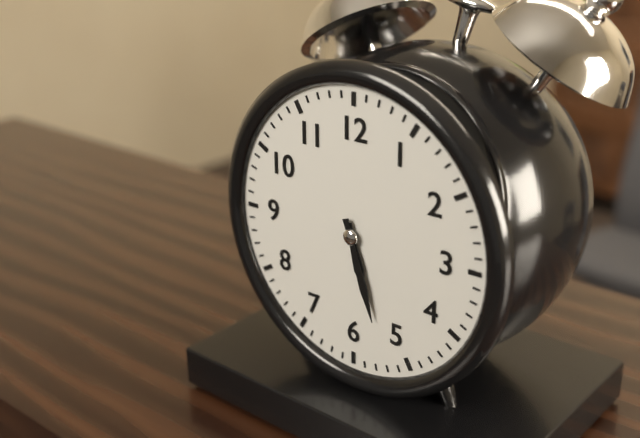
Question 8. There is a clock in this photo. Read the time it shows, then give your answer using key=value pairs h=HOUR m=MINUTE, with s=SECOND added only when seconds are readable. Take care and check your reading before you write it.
h=5 m=27
